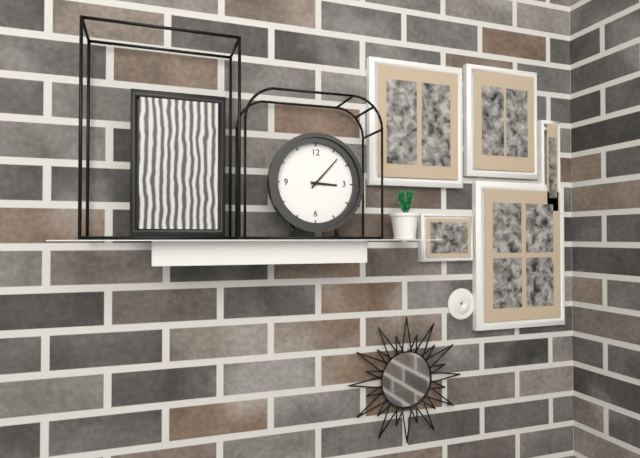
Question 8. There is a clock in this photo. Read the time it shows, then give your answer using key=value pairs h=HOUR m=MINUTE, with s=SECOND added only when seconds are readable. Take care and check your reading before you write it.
h=3 m=7
